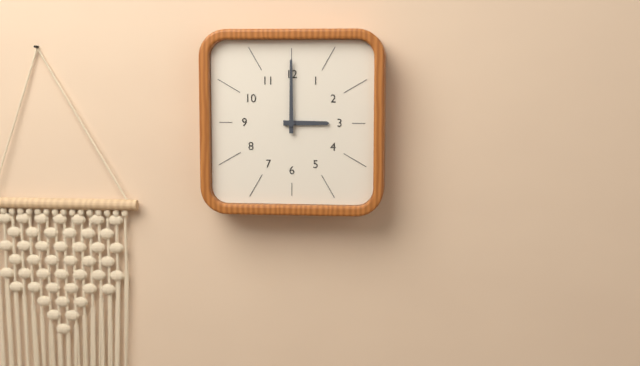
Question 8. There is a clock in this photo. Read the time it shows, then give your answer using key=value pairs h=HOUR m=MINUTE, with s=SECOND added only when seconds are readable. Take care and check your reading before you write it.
h=3 m=0
